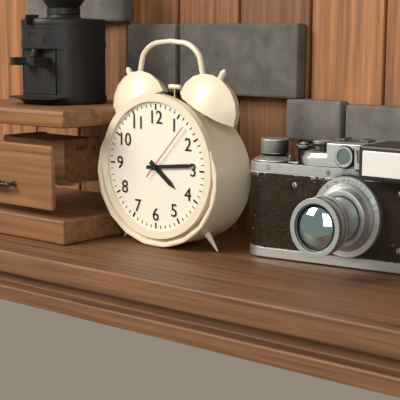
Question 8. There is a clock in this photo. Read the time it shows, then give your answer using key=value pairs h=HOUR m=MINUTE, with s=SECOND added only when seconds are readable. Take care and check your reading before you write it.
h=4 m=14 s=7
